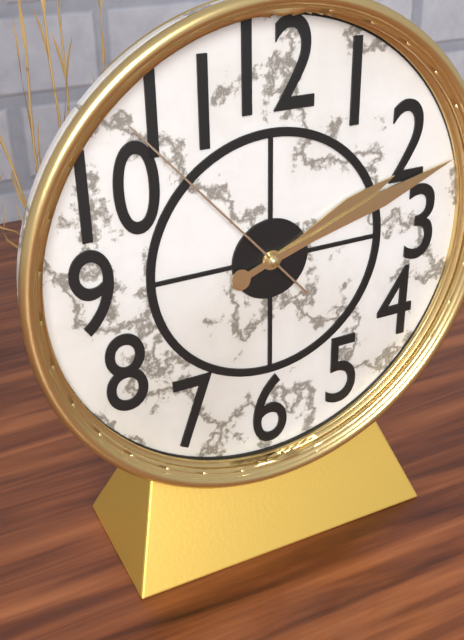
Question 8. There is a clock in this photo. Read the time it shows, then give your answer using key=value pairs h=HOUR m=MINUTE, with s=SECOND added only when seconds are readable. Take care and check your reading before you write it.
h=2 m=12 s=53
